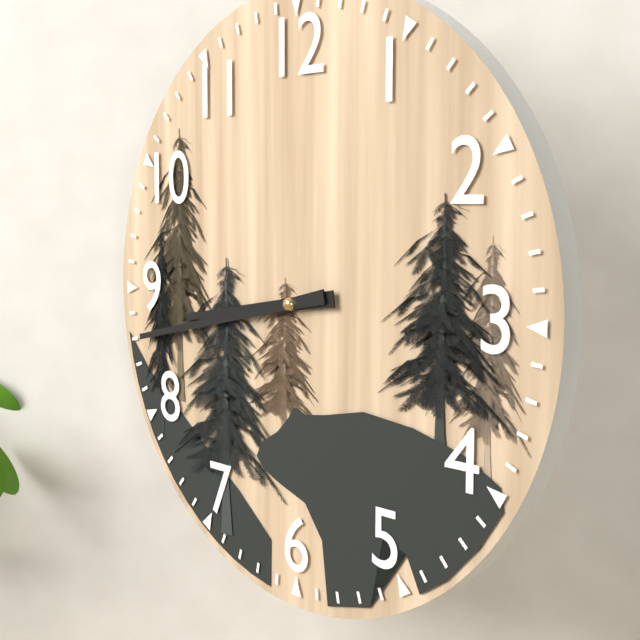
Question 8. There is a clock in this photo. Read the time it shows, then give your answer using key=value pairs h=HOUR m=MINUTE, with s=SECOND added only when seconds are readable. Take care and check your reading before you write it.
h=8 m=43
